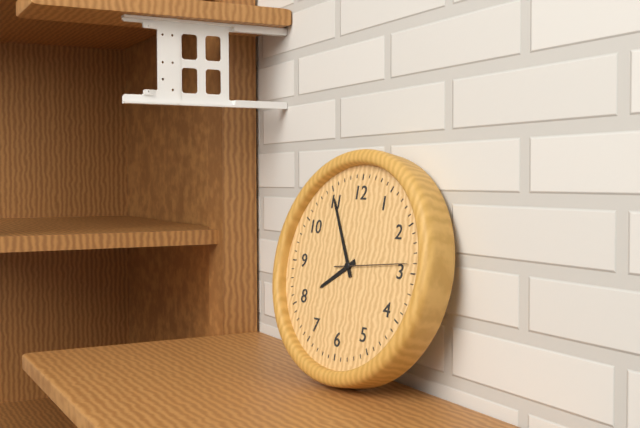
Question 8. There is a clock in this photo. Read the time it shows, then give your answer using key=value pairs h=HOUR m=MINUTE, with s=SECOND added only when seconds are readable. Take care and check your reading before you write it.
h=7 m=55 s=14
